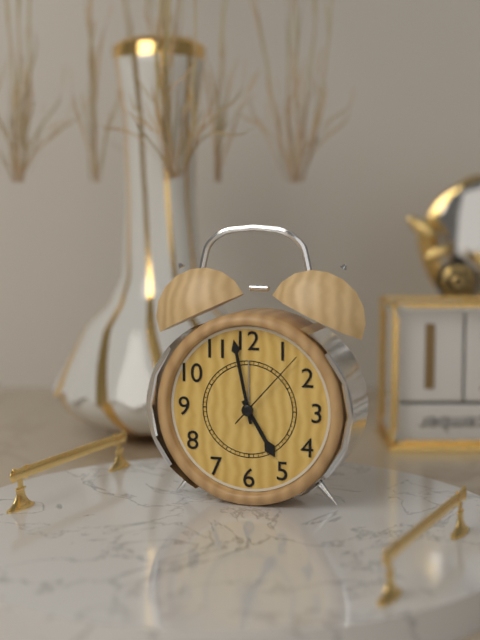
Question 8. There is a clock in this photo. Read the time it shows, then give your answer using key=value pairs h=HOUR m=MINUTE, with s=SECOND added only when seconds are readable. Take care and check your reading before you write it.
h=4 m=58 s=7
